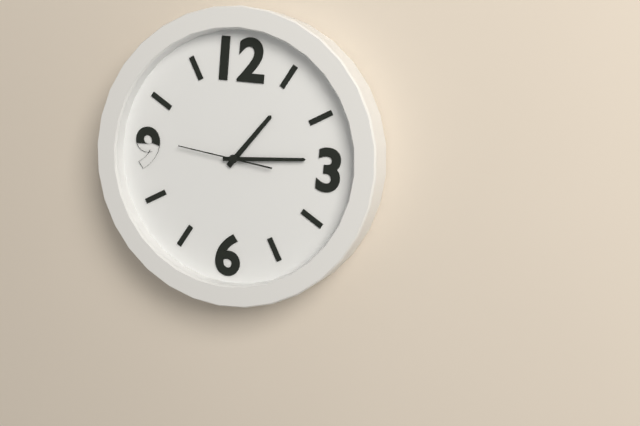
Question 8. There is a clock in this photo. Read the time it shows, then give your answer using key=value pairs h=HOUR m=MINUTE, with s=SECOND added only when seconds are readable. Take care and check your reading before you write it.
h=1 m=14 s=46
